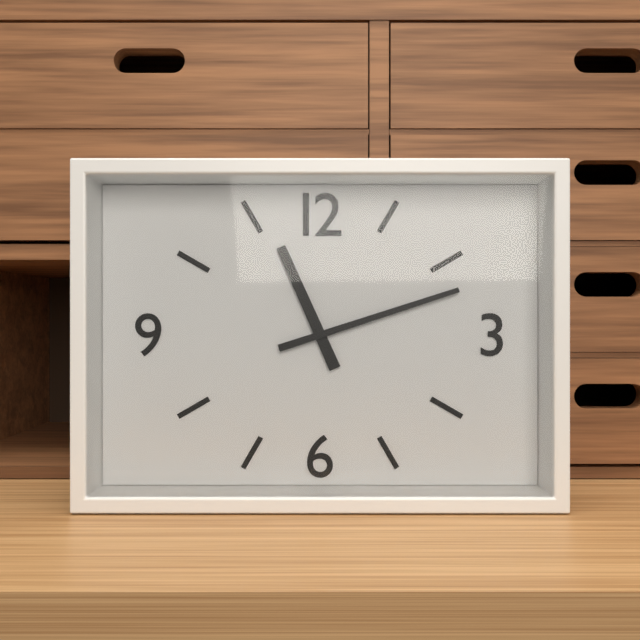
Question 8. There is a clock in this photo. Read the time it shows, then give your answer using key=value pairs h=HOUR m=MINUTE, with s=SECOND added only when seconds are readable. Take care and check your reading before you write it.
h=11 m=12
